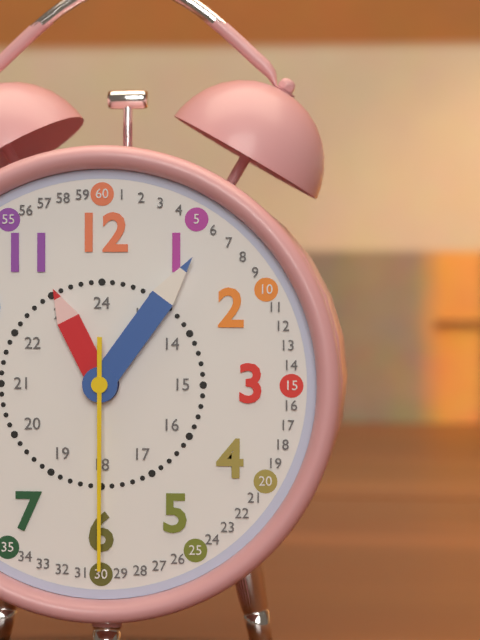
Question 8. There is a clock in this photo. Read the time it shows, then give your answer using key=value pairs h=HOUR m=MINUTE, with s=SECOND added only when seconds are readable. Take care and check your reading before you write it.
h=11 m=6 s=30
